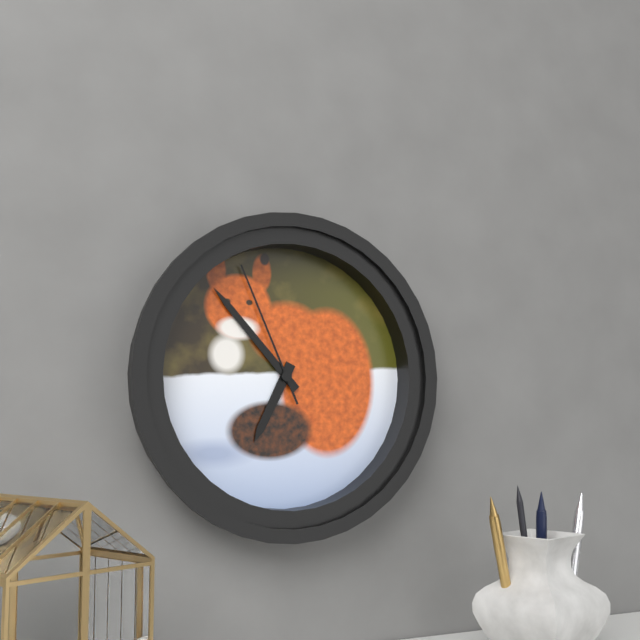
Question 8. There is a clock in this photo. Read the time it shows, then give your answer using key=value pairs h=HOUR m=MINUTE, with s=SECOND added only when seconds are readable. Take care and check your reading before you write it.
h=6 m=53 s=56
